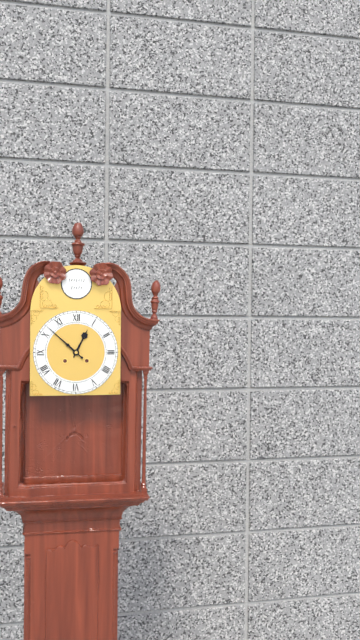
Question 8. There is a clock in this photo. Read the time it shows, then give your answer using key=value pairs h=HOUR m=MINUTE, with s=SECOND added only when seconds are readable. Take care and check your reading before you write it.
h=12 m=52
